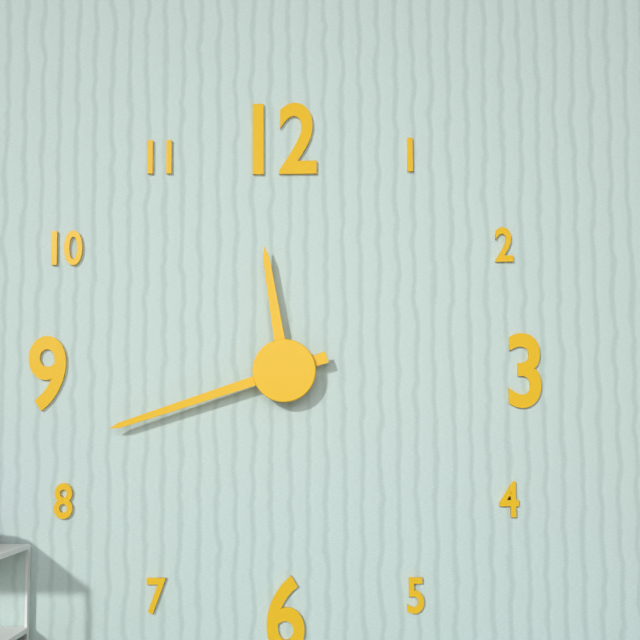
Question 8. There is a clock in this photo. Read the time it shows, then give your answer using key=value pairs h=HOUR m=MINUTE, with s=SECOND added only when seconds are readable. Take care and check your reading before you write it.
h=11 m=42
